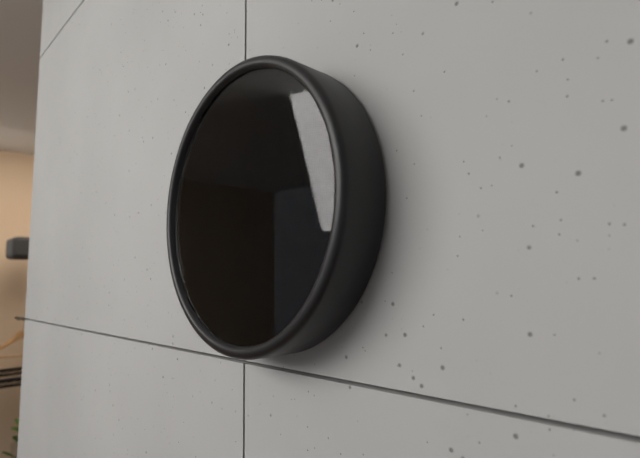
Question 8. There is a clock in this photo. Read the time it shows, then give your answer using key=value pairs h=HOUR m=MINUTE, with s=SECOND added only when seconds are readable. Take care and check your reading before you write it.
h=6 m=19
